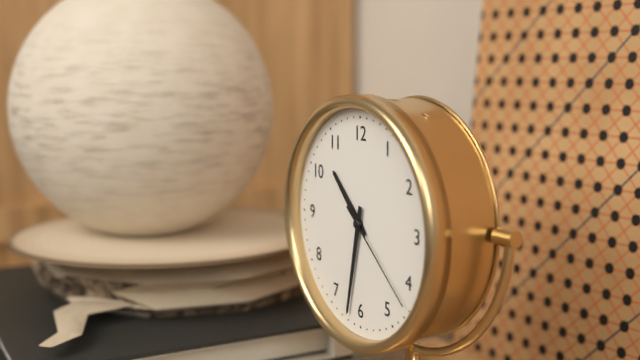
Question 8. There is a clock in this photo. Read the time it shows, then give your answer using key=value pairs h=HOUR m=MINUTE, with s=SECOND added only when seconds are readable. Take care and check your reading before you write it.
h=10 m=32 s=22
